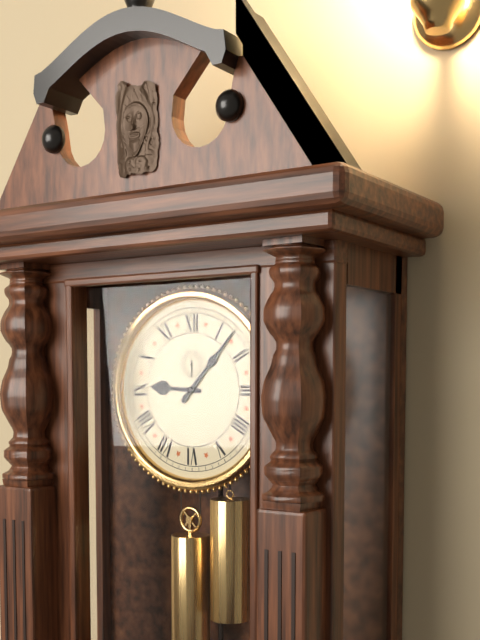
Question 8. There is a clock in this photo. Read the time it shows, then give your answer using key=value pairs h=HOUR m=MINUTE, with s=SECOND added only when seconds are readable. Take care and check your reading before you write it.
h=9 m=7
